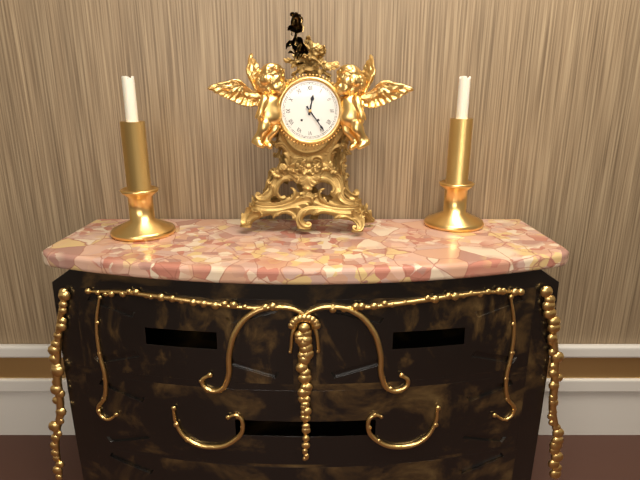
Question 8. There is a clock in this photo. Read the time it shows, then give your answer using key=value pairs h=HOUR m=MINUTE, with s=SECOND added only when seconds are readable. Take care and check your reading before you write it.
h=12 m=24
